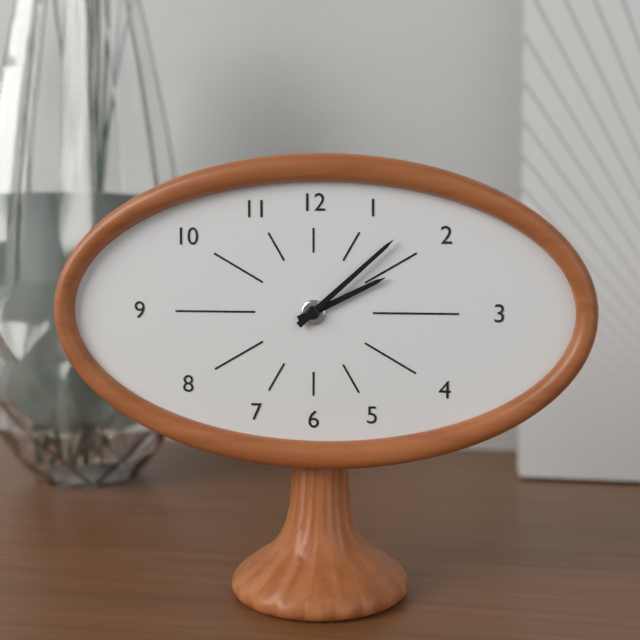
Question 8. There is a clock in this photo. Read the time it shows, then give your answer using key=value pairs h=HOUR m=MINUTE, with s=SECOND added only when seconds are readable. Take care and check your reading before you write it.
h=2 m=8
